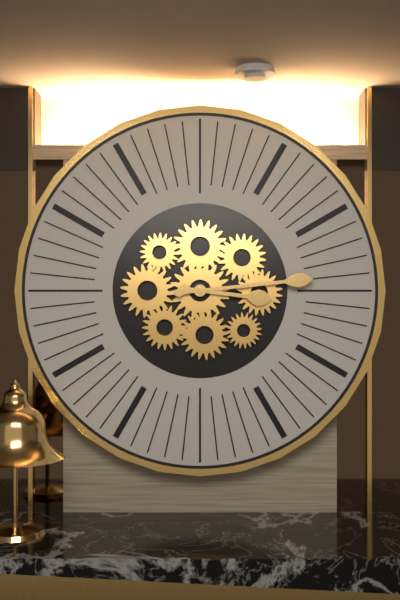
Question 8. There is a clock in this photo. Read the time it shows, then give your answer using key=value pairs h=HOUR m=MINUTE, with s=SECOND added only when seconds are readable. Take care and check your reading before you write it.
h=3 m=14
